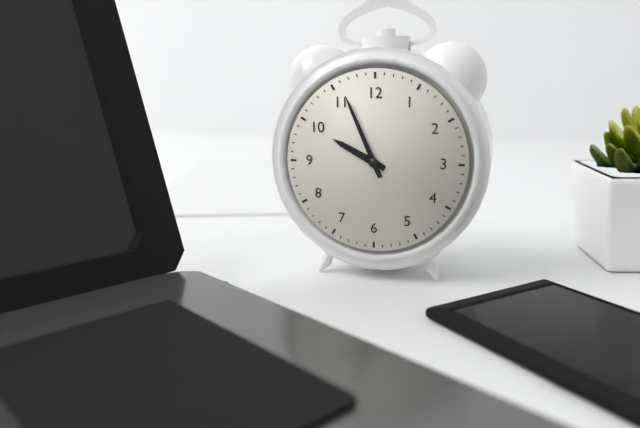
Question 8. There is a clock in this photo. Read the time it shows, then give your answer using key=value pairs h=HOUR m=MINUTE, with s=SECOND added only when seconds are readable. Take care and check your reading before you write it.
h=9 m=56
